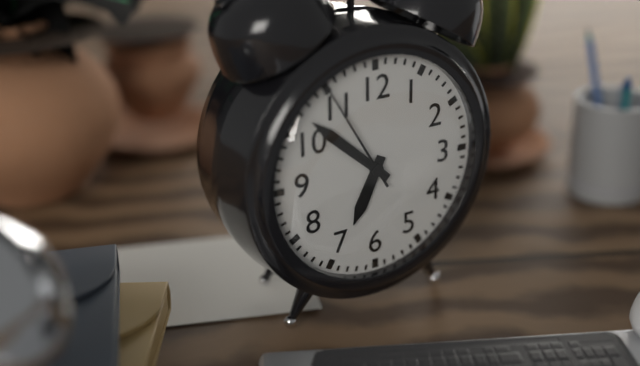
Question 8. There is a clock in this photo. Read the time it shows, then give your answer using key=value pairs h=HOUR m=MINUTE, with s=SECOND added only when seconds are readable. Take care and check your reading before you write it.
h=6 m=52 s=55
